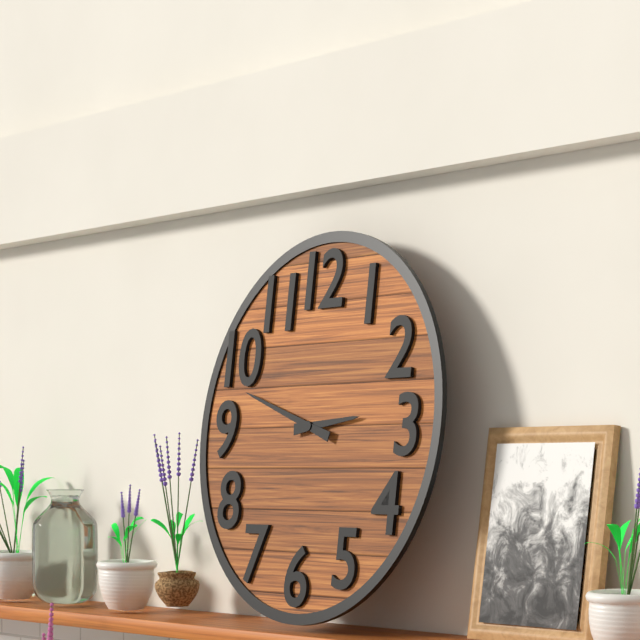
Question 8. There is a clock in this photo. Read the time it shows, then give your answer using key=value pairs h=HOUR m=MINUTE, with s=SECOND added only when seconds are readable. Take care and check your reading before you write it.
h=2 m=48
